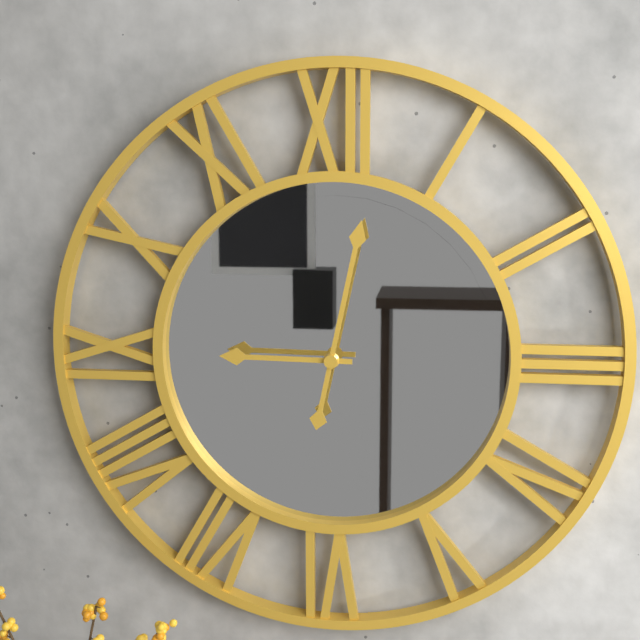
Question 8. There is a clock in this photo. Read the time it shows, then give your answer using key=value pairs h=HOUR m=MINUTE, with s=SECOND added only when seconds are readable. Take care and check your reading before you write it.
h=9 m=2
